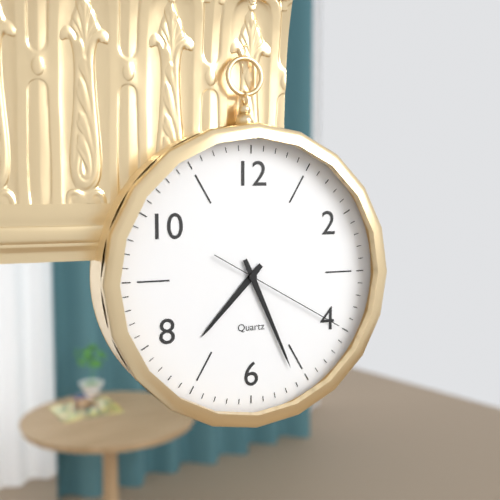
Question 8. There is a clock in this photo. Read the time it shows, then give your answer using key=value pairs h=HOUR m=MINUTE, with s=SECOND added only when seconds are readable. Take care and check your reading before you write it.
h=7 m=26 s=20
